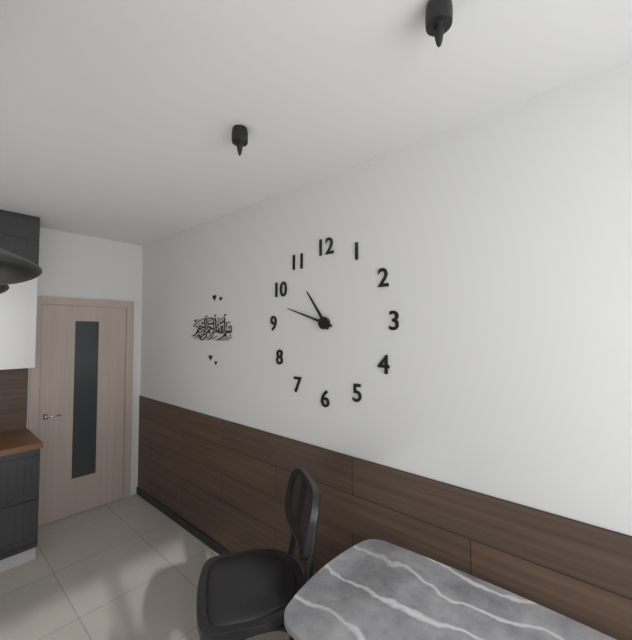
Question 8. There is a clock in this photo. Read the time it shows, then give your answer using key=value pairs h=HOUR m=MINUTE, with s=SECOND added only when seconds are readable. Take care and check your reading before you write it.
h=10 m=48
